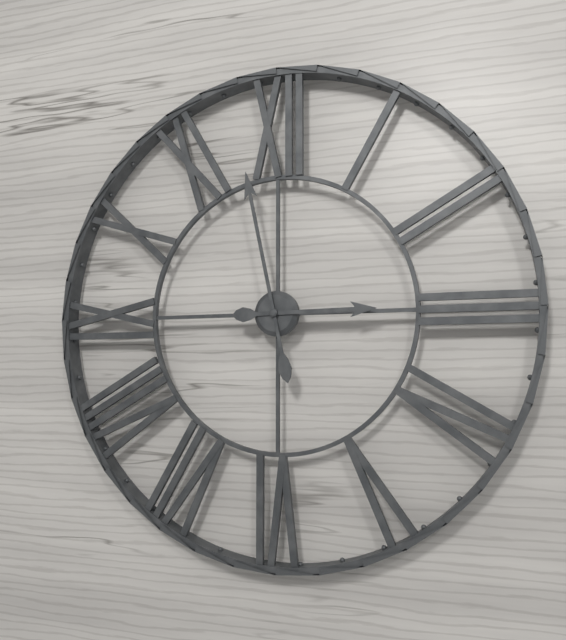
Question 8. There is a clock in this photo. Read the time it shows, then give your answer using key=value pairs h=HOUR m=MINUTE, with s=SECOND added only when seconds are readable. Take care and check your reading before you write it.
h=2 m=58
